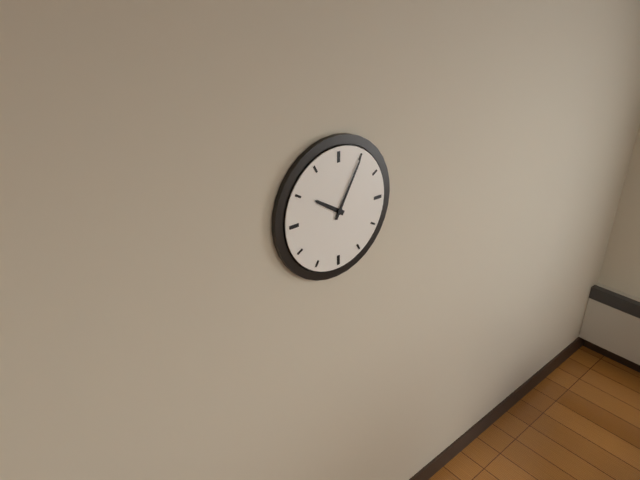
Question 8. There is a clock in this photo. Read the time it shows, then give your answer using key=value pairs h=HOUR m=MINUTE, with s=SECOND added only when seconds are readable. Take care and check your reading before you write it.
h=10 m=5
